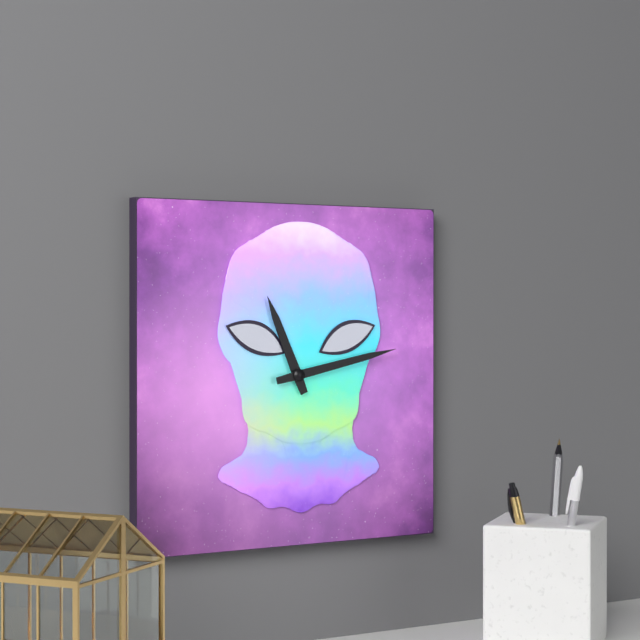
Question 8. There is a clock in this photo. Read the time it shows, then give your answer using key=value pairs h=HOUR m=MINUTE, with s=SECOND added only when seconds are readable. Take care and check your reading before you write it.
h=11 m=13
